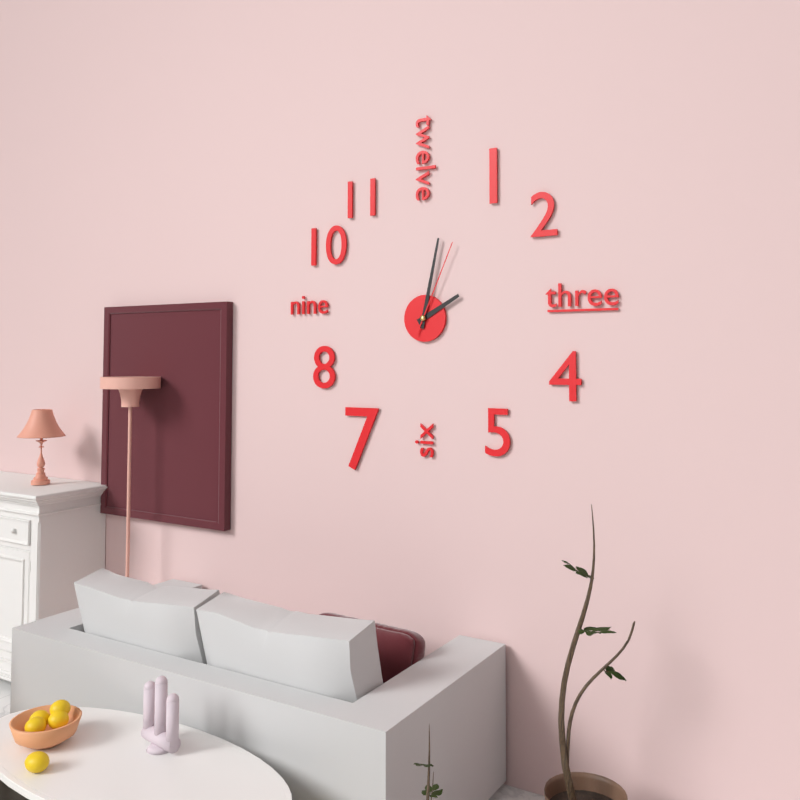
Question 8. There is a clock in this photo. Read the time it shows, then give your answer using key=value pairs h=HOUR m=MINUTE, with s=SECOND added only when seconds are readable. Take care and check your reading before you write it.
h=2 m=2 s=4
